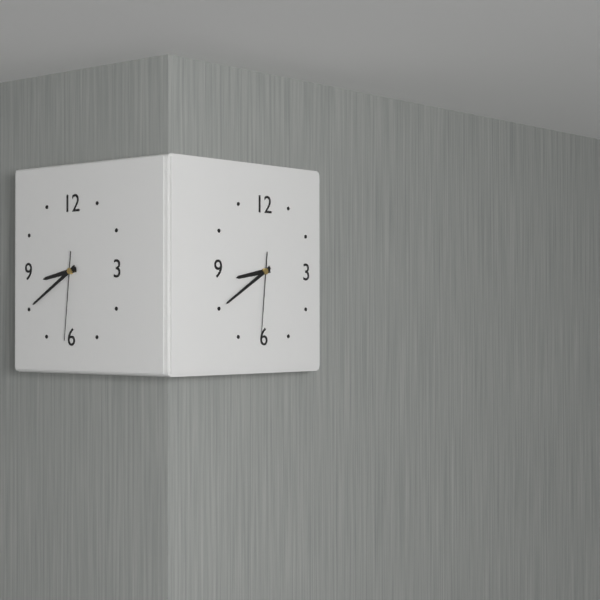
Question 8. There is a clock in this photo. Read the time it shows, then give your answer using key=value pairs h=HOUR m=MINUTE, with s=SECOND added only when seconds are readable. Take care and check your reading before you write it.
h=8 m=40 s=31
